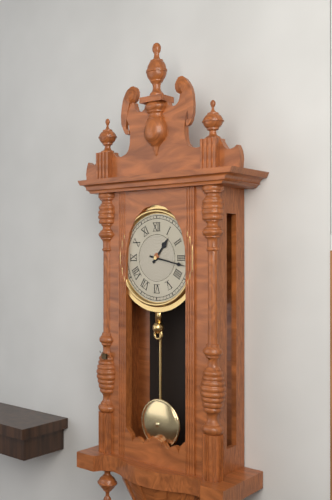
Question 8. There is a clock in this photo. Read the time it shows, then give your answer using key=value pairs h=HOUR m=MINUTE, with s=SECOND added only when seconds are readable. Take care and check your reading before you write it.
h=1 m=17
